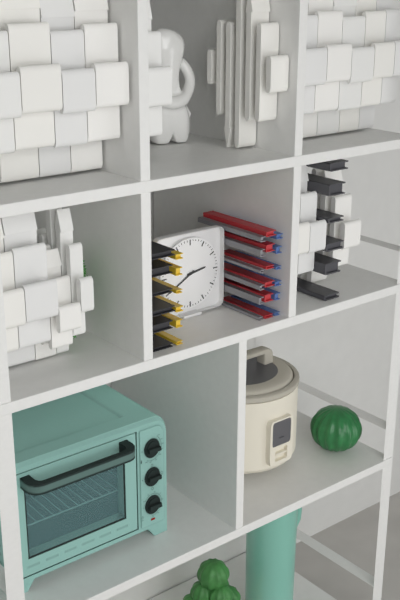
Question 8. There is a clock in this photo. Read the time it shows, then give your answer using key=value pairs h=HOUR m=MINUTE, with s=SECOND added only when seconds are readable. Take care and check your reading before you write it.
h=2 m=40
